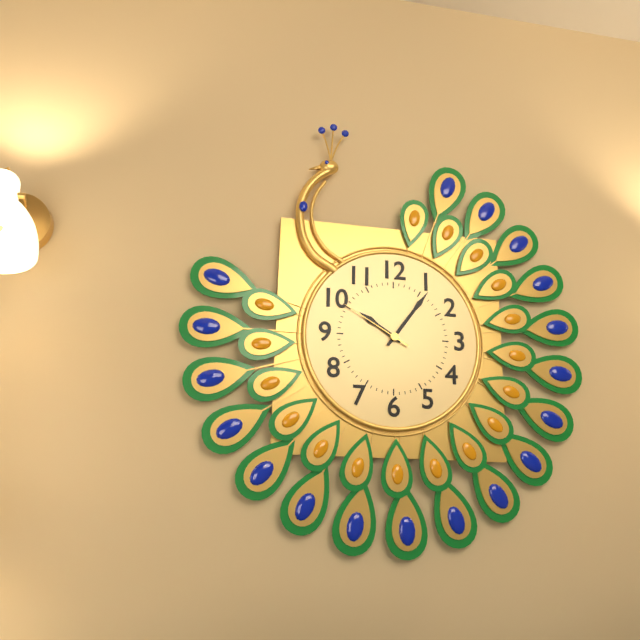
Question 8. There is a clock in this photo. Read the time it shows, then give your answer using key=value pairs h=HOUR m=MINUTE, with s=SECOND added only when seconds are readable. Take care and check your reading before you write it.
h=10 m=6 s=50
